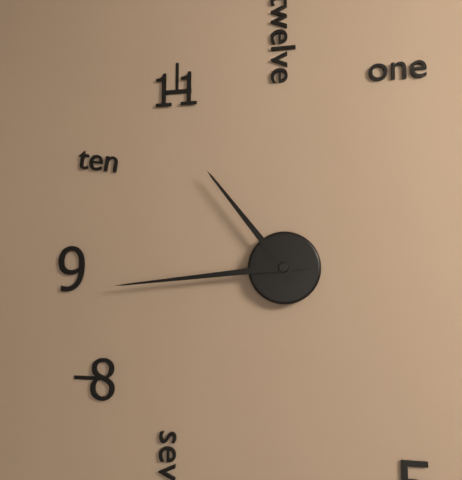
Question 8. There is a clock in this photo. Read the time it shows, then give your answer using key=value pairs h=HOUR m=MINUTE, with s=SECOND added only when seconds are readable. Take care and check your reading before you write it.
h=10 m=44
